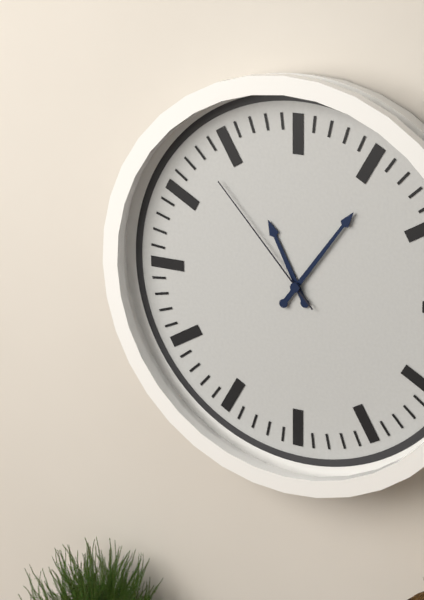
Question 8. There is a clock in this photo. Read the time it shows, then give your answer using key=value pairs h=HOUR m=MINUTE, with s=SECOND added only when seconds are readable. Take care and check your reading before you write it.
h=11 m=6 s=53
